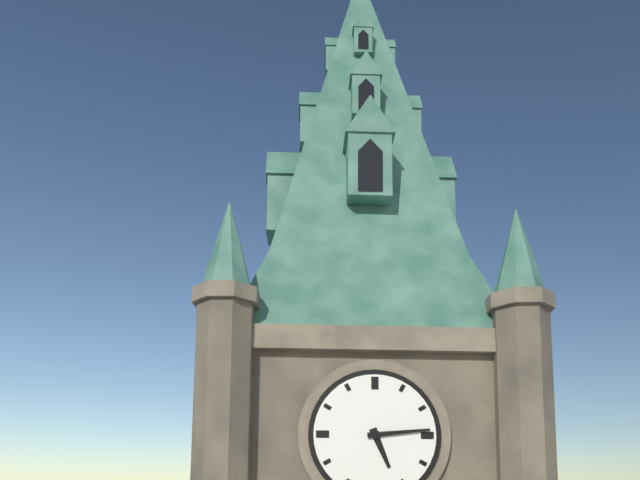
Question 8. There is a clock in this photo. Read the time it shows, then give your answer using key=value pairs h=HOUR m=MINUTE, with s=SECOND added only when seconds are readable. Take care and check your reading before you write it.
h=5 m=14
